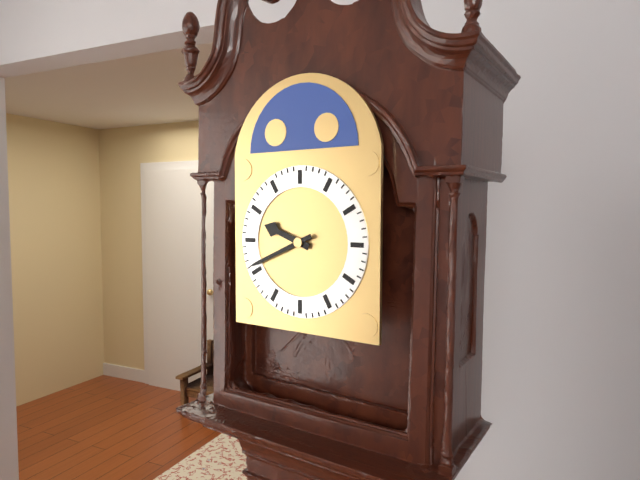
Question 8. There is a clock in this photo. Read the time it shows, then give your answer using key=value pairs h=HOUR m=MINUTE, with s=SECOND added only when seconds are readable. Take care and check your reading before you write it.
h=9 m=41
